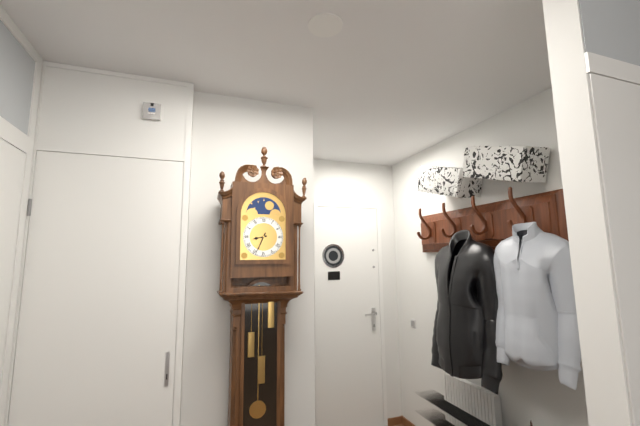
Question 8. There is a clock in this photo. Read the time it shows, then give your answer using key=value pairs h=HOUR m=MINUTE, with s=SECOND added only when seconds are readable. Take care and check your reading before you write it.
h=8 m=34
